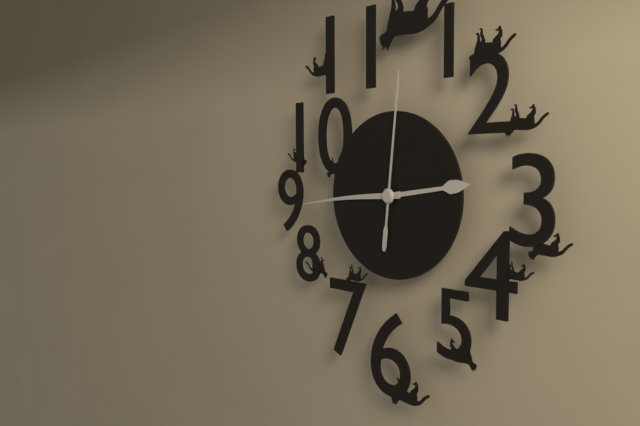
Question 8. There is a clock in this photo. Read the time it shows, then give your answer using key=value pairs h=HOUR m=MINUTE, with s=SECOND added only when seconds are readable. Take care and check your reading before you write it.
h=2 m=44 s=1
